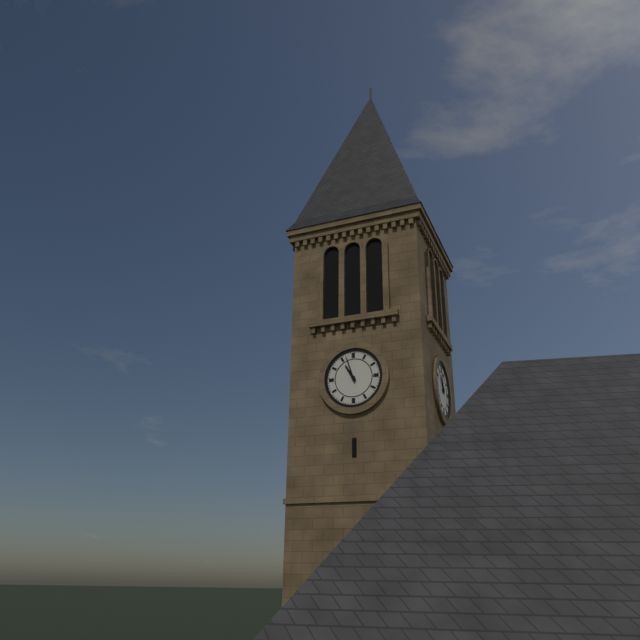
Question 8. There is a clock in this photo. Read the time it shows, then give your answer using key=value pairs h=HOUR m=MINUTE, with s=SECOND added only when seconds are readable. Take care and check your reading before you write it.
h=10 m=57
